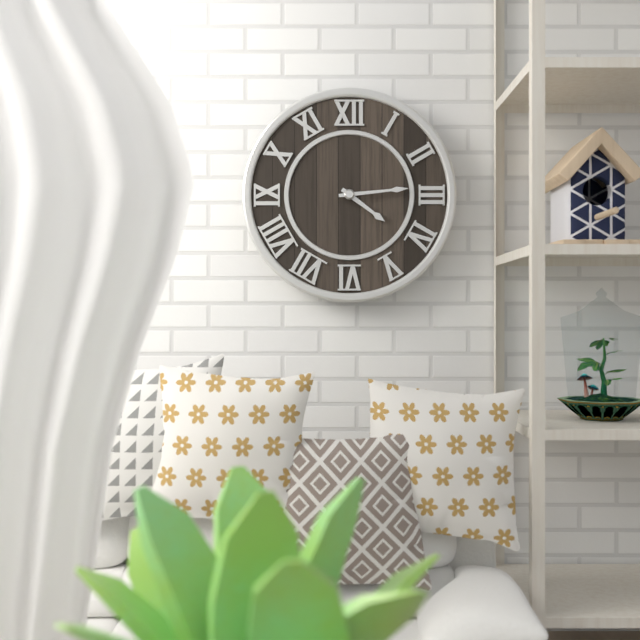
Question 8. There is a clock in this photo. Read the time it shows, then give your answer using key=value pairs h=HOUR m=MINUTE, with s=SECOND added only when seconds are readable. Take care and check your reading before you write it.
h=4 m=14
